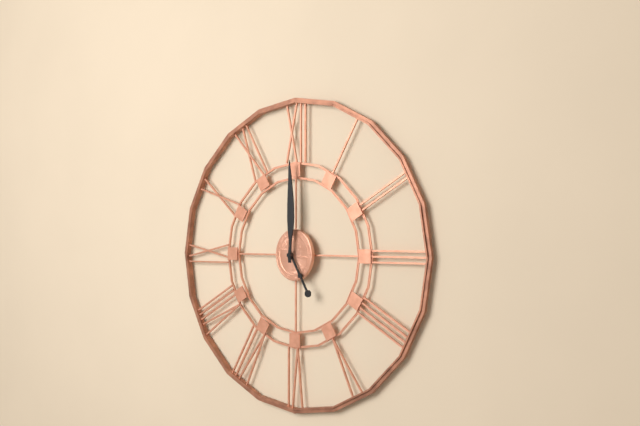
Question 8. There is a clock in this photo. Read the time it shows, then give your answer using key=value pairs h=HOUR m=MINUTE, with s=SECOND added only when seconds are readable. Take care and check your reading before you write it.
h=5 m=0
